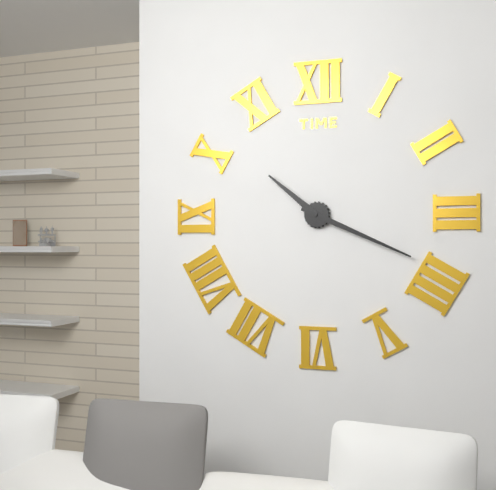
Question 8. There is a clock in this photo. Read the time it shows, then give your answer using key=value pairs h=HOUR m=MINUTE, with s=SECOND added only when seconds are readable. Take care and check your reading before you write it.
h=10 m=19
